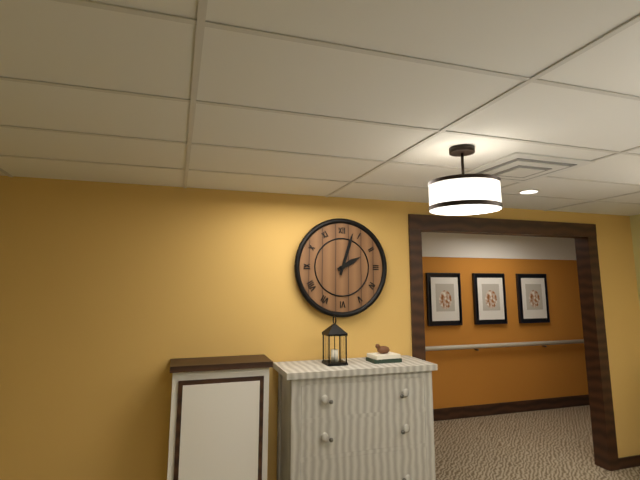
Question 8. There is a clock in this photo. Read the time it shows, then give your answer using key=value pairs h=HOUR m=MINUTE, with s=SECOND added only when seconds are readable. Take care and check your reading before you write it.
h=2 m=3
